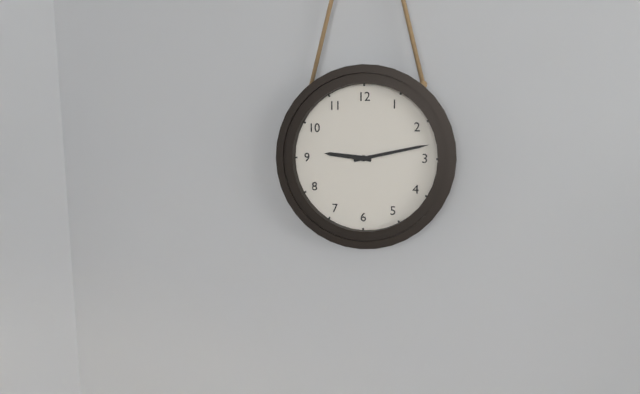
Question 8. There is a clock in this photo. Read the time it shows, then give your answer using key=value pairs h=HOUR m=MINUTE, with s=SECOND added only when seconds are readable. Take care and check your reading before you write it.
h=9 m=13
